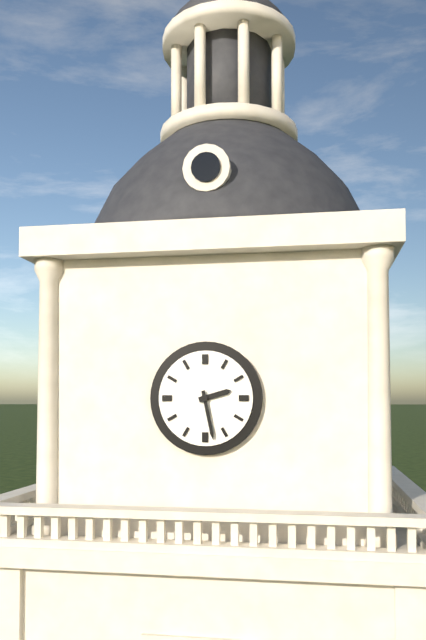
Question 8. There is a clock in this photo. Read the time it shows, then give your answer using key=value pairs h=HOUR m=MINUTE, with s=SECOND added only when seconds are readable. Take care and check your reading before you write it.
h=2 m=28
